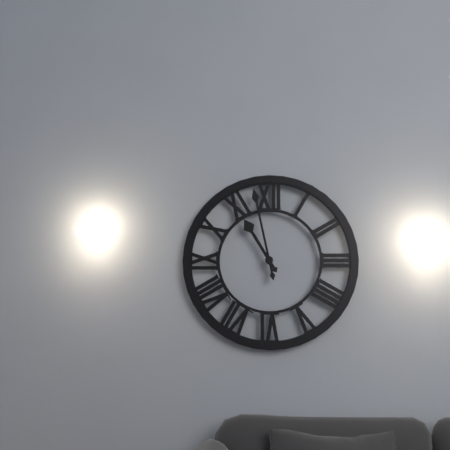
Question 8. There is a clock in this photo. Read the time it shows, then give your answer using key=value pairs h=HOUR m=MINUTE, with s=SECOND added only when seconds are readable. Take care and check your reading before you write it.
h=10 m=58
